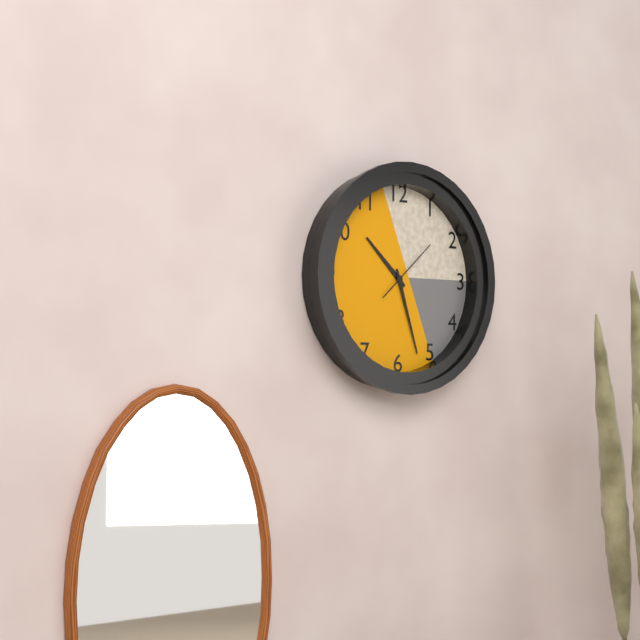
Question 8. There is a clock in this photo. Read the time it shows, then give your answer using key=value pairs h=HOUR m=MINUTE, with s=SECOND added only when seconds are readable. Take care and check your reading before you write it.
h=10 m=27 s=8
